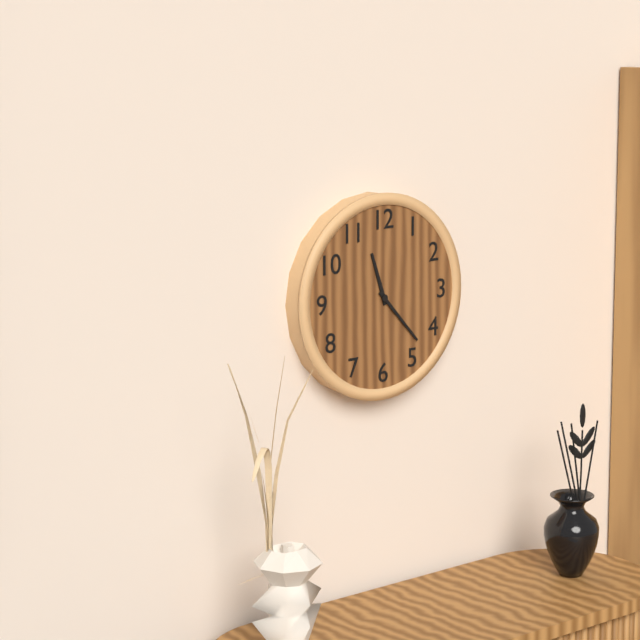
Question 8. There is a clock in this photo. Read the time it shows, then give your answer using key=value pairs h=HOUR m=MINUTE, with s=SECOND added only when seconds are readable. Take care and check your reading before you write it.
h=11 m=23
